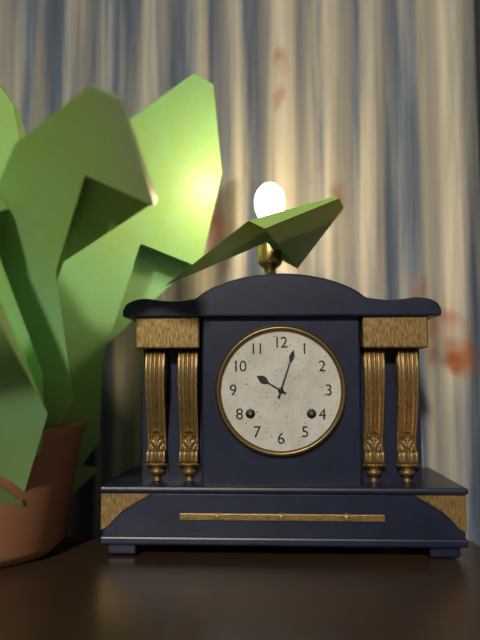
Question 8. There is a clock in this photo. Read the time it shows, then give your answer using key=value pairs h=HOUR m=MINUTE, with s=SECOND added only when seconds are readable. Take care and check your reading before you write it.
h=10 m=3
